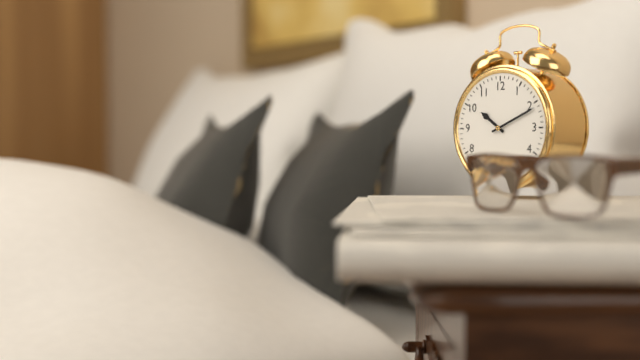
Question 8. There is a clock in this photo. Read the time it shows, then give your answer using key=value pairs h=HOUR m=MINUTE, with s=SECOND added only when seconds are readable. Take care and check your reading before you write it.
h=10 m=11
